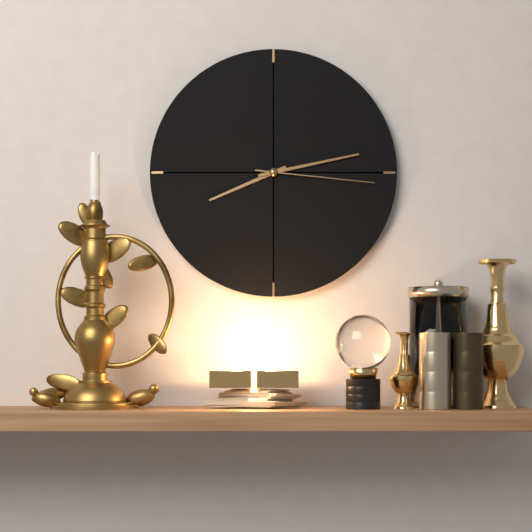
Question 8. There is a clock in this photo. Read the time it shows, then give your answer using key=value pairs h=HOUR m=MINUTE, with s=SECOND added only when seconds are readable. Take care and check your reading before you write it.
h=8 m=13 s=16
